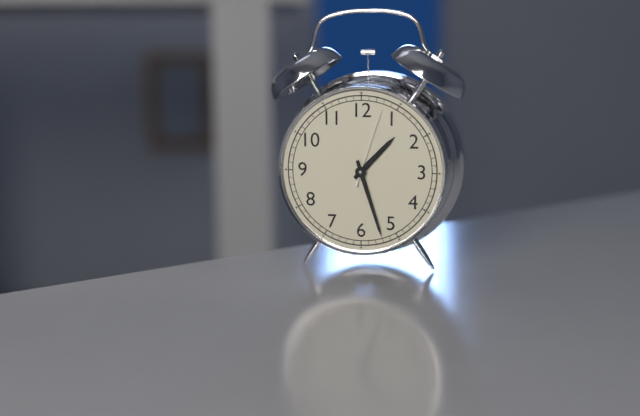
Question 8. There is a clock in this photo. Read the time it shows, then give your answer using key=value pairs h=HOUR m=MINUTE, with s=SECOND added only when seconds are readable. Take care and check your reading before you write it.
h=1 m=27 s=3
